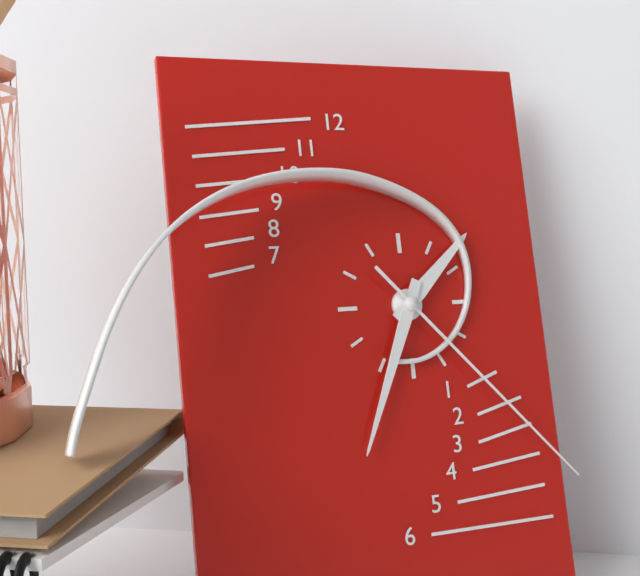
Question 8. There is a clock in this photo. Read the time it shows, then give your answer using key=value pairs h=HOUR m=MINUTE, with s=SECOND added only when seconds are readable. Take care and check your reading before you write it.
h=1 m=34 s=23
